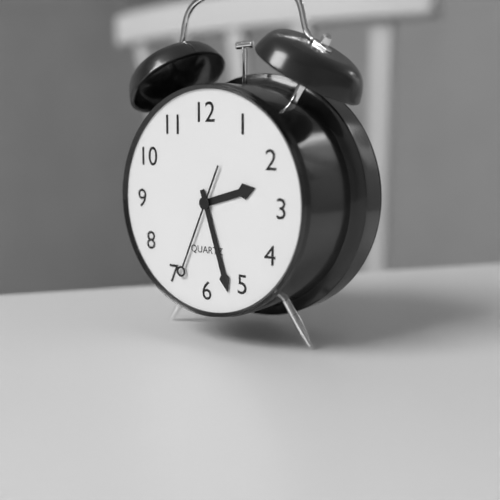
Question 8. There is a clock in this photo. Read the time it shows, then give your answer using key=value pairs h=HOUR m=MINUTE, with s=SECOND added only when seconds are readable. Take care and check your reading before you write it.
h=2 m=27 s=34
